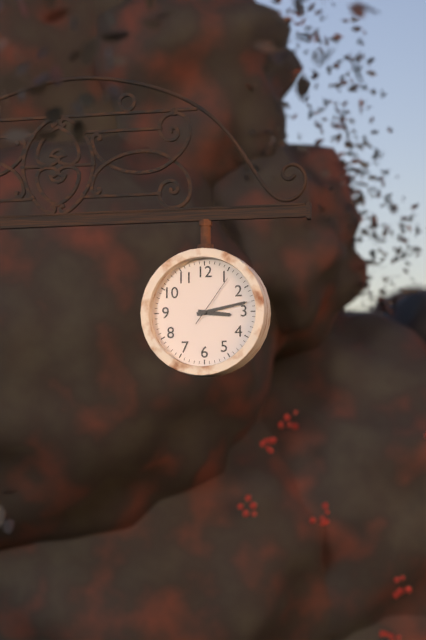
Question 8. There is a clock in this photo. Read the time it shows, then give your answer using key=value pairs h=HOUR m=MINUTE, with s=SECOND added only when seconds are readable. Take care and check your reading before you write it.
h=3 m=13 s=6
